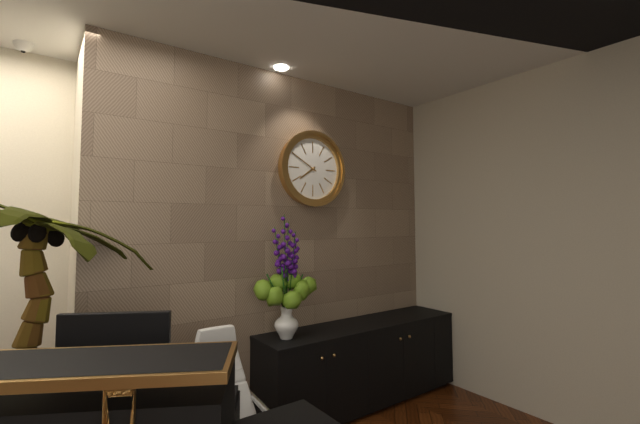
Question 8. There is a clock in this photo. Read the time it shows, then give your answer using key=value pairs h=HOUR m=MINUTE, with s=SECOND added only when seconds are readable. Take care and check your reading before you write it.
h=7 m=50
